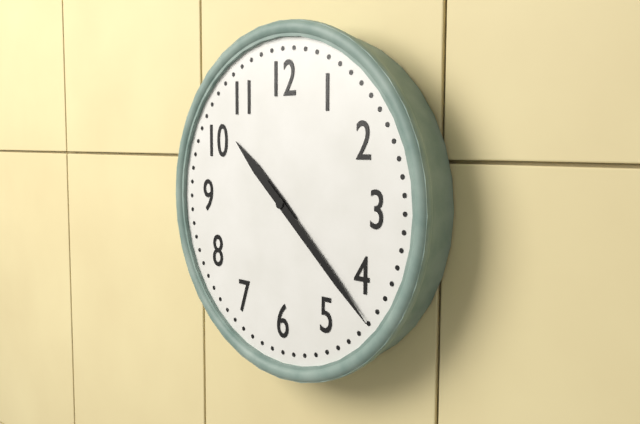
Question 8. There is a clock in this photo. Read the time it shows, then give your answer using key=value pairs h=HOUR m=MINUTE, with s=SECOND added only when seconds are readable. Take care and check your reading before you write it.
h=10 m=22
